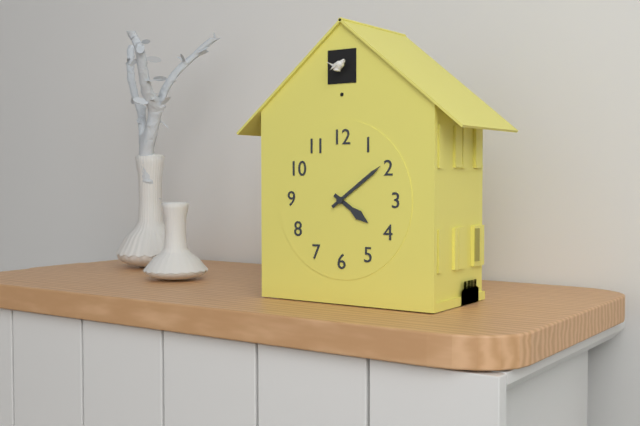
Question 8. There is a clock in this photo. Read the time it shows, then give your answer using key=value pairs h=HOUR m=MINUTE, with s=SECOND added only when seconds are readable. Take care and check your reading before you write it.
h=4 m=9
